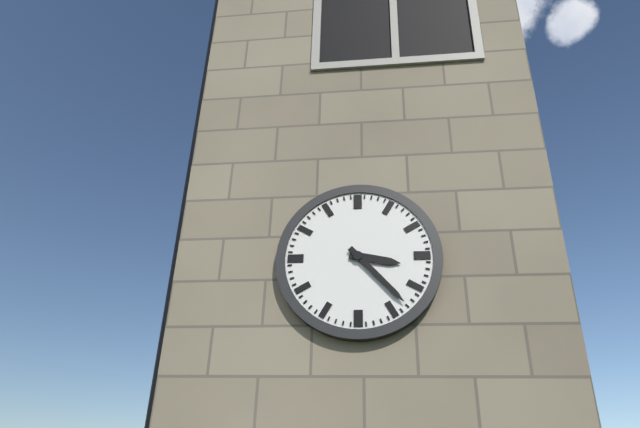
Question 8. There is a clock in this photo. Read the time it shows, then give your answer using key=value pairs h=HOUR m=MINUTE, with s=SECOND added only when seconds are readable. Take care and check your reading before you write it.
h=3 m=23
